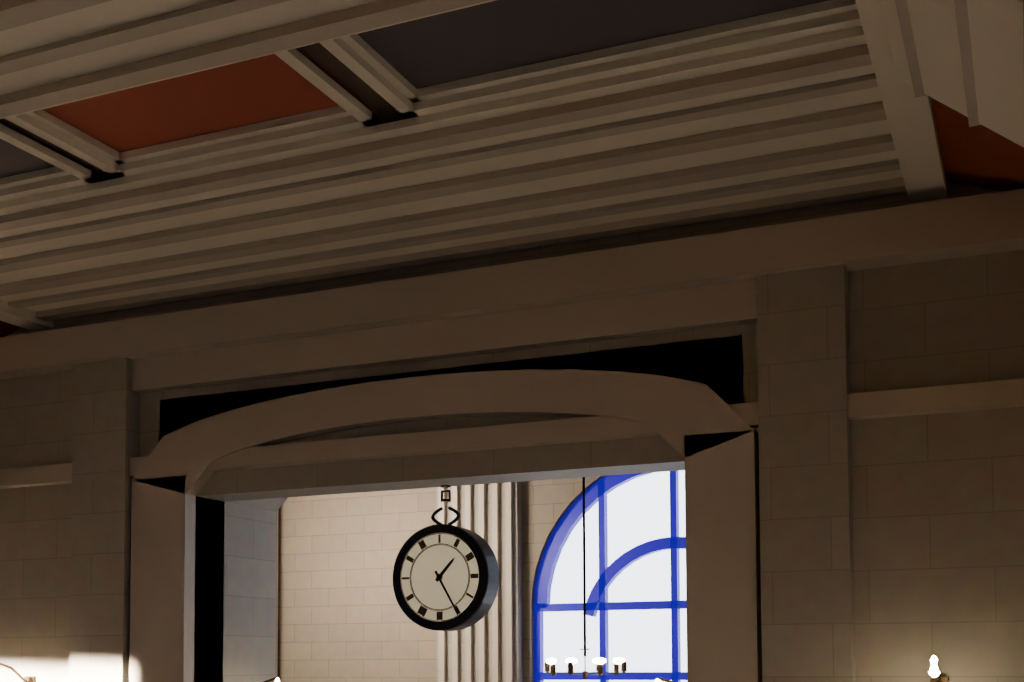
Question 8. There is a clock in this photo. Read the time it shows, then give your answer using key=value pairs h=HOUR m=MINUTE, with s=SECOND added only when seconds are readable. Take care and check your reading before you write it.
h=1 m=25
